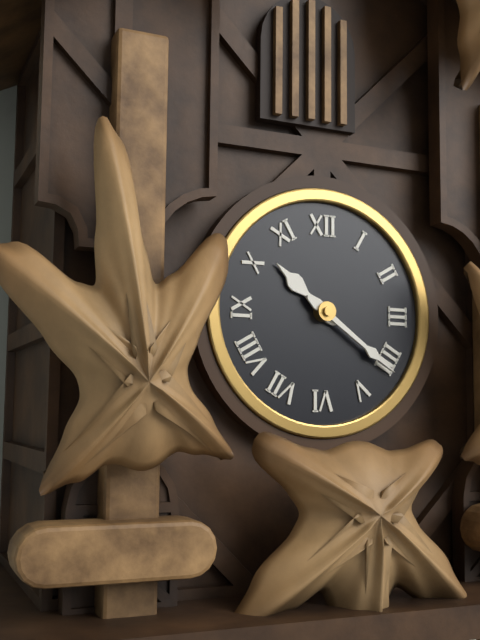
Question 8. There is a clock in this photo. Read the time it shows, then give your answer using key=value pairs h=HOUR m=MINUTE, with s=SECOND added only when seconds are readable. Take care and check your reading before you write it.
h=10 m=21
